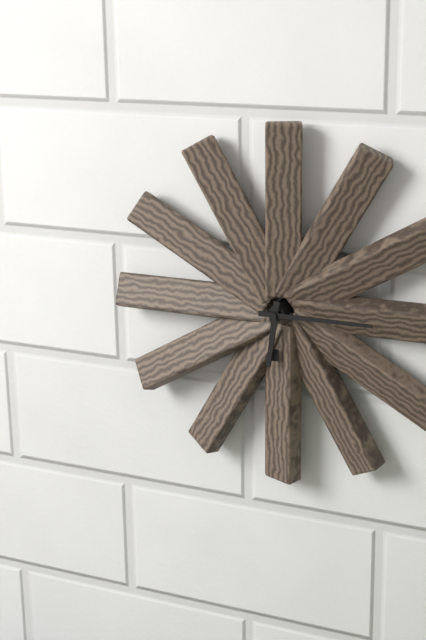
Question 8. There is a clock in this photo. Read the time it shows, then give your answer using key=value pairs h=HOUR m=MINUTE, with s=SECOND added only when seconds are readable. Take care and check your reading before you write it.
h=6 m=15
